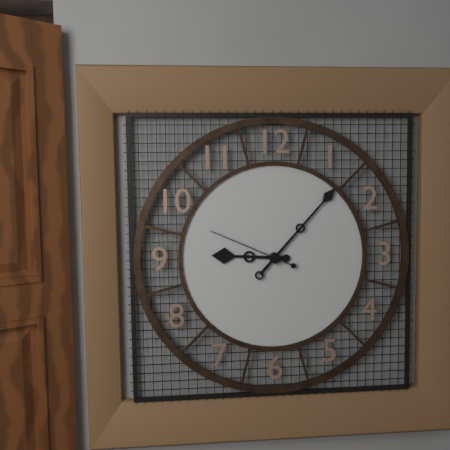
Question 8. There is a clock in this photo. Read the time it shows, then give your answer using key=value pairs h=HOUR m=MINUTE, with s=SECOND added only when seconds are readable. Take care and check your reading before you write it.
h=9 m=7 s=49
